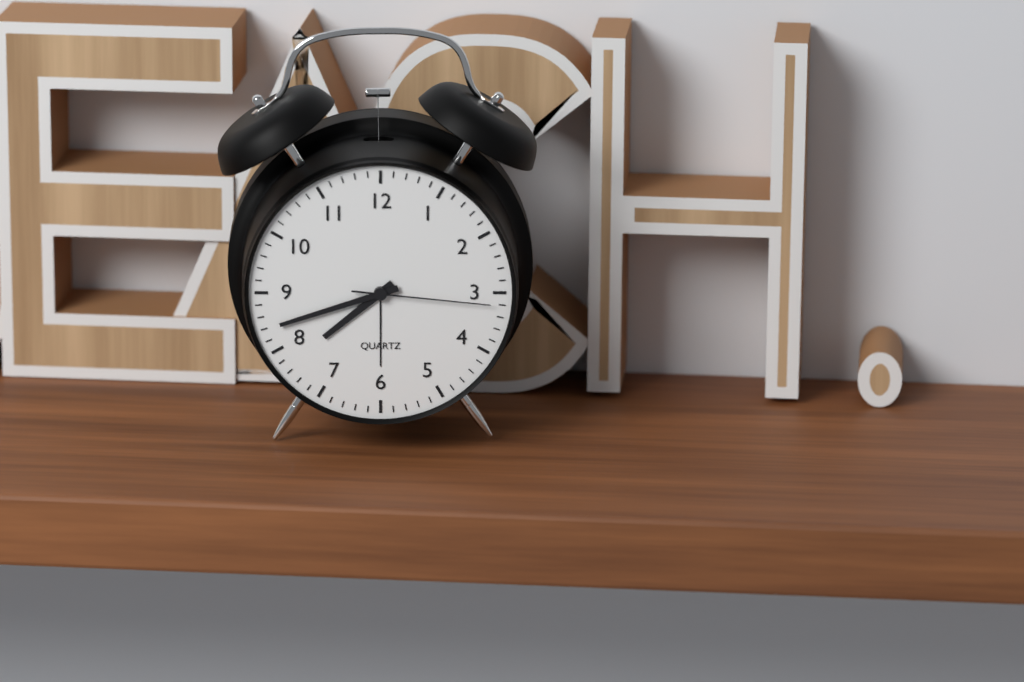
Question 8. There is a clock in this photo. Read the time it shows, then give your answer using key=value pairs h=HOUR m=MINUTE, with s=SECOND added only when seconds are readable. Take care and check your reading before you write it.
h=7 m=42 s=16
